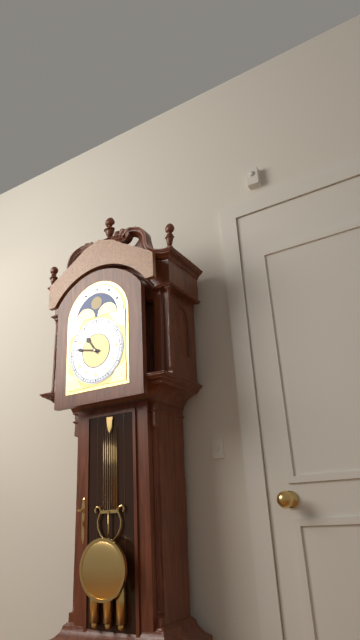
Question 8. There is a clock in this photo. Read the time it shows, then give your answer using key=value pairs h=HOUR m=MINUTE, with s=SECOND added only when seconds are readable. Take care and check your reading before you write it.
h=10 m=47
